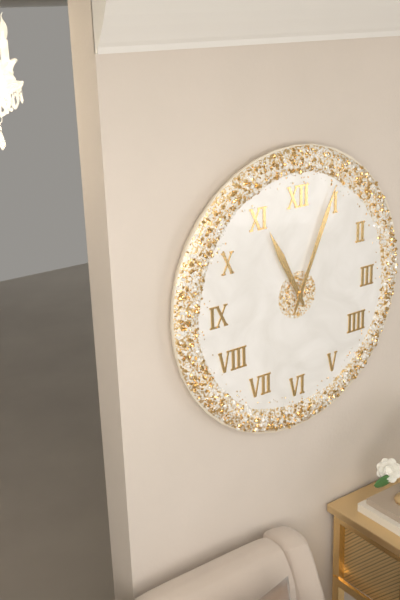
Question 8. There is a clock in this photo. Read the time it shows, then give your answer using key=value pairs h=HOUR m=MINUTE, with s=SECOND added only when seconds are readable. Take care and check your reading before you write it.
h=11 m=4
